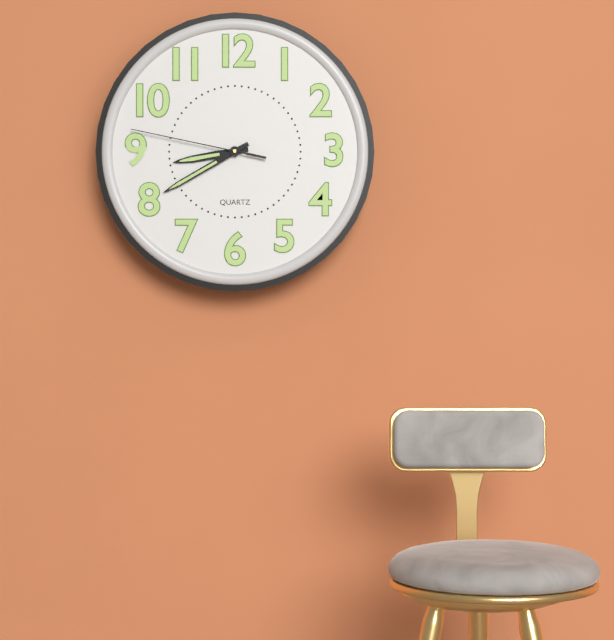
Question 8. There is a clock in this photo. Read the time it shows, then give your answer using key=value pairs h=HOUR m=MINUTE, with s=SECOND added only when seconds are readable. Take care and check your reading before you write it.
h=8 m=40 s=47
